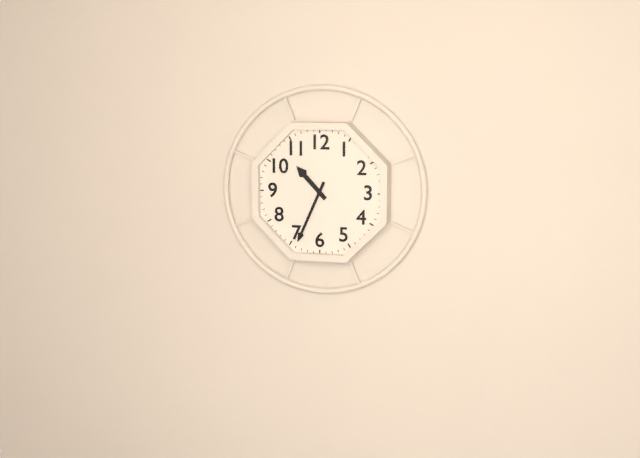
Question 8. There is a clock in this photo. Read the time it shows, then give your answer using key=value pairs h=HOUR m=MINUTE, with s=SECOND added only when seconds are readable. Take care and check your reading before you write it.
h=10 m=34
